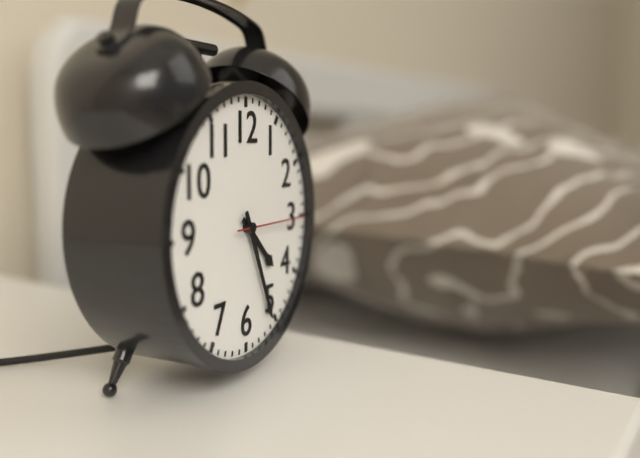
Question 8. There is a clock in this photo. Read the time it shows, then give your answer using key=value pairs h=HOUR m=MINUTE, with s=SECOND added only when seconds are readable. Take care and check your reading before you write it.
h=4 m=26 s=15
